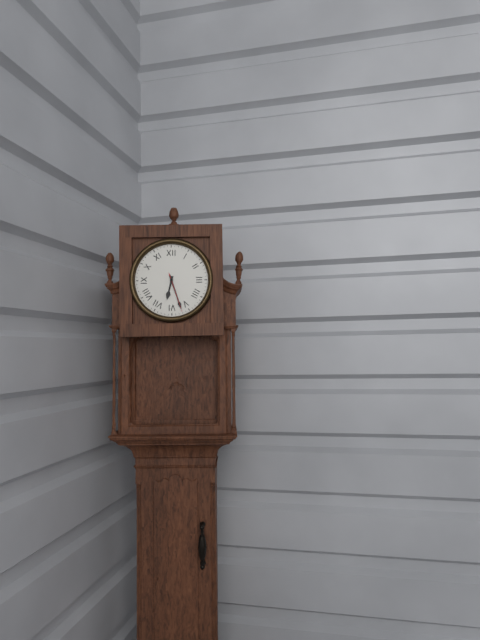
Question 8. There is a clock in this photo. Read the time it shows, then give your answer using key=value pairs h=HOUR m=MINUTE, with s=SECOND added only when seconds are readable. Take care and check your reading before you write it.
h=6 m=27
